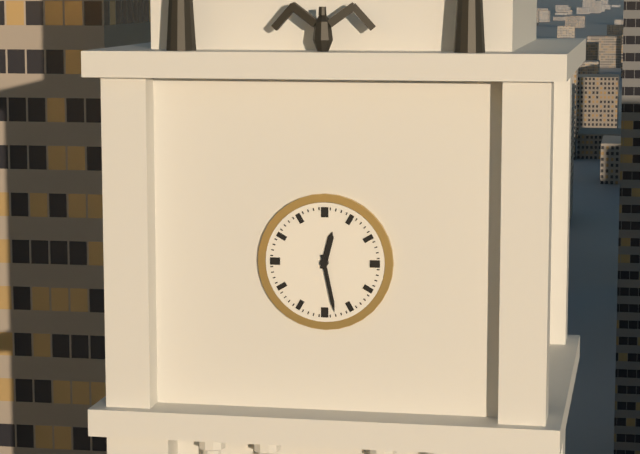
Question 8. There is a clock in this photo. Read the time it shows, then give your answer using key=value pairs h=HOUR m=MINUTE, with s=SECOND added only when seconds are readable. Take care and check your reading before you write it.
h=12 m=28
